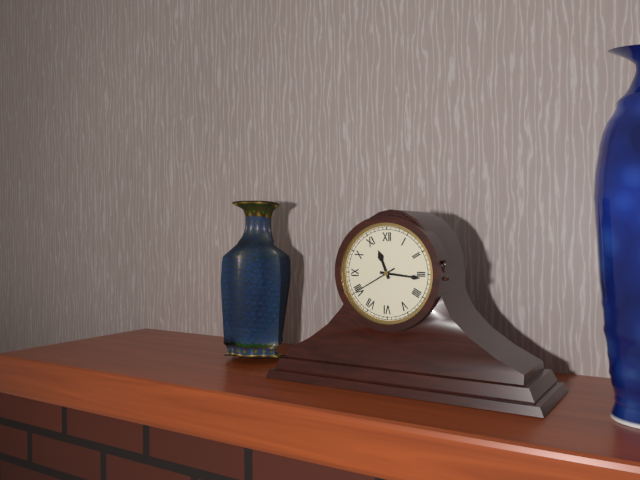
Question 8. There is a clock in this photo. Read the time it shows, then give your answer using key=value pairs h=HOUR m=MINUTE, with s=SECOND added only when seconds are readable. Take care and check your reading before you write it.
h=11 m=16
